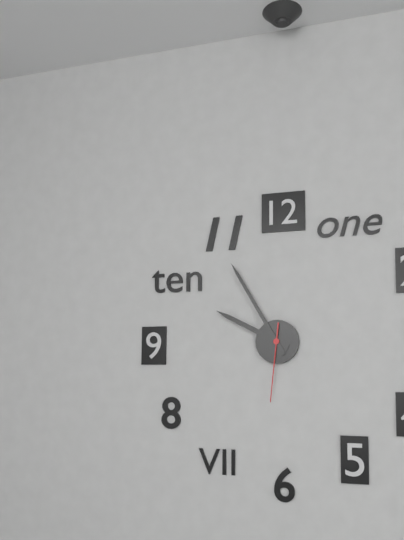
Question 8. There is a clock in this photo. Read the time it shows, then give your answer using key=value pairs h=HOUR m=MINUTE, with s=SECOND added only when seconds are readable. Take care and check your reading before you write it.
h=9 m=55 s=31
